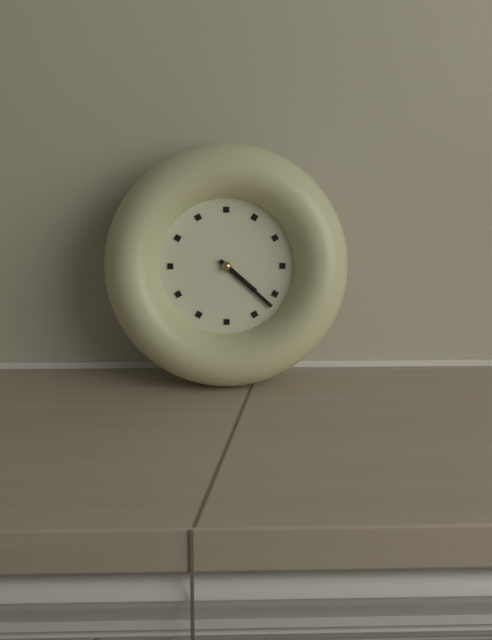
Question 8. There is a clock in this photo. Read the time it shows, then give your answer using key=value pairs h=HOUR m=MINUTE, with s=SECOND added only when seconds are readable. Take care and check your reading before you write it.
h=4 m=22
